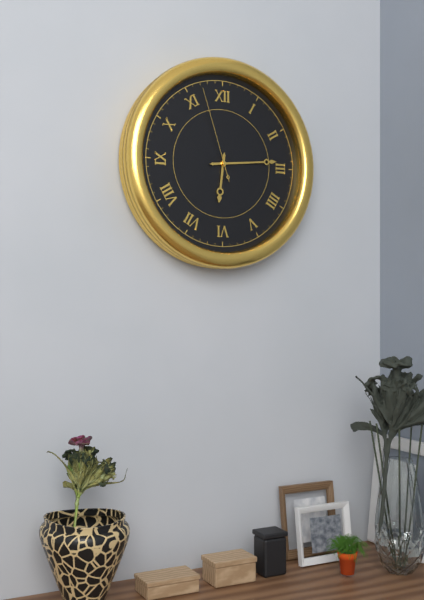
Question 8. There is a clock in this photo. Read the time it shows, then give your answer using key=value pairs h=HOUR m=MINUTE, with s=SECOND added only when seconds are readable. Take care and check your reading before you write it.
h=6 m=14 s=57
